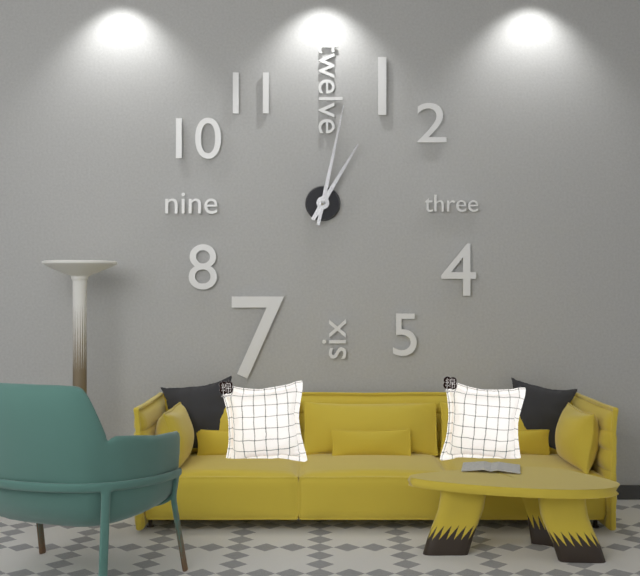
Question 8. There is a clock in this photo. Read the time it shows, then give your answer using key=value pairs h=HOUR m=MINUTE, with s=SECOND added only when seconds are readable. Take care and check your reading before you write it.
h=1 m=2
